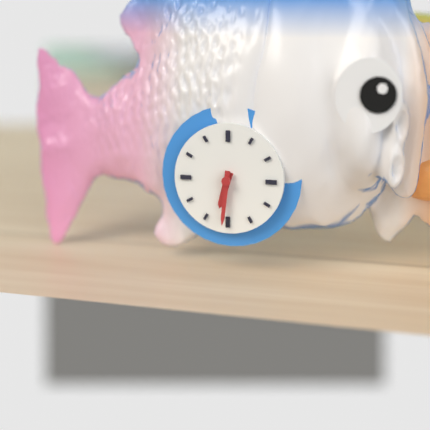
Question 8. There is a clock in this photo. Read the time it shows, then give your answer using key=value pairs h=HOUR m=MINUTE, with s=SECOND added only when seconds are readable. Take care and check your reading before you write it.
h=6 m=31
